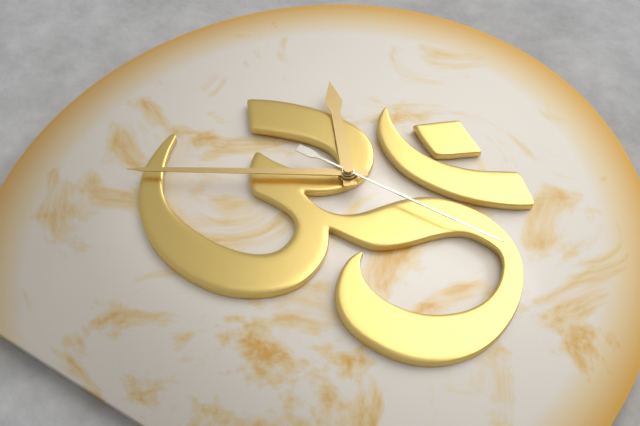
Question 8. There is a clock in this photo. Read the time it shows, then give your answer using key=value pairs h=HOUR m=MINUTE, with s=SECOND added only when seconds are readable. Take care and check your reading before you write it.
h=10 m=40 s=15
